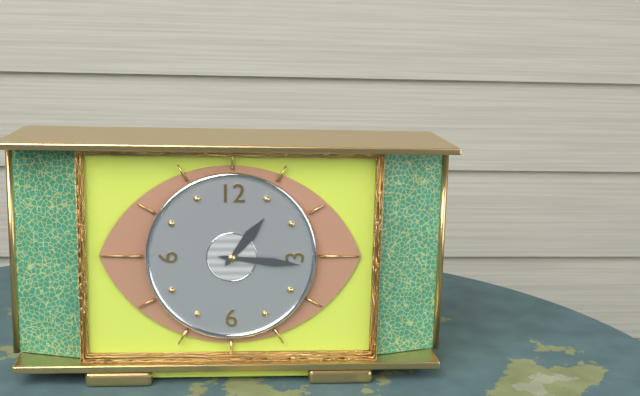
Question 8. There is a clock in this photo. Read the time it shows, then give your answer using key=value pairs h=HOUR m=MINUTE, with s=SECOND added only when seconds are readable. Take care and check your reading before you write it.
h=1 m=16
